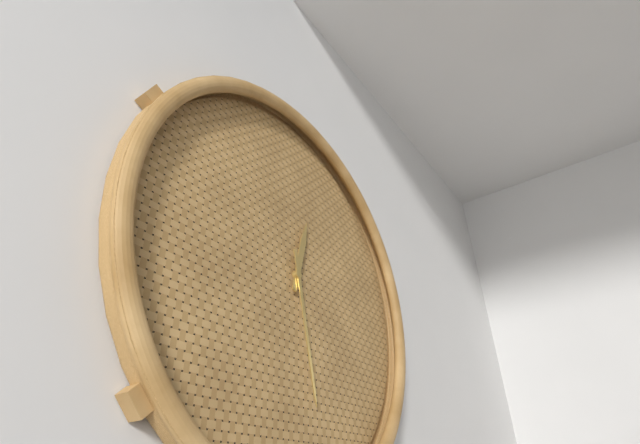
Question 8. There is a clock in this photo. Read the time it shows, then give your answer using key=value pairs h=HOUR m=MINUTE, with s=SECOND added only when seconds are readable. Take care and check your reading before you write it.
h=12 m=28
